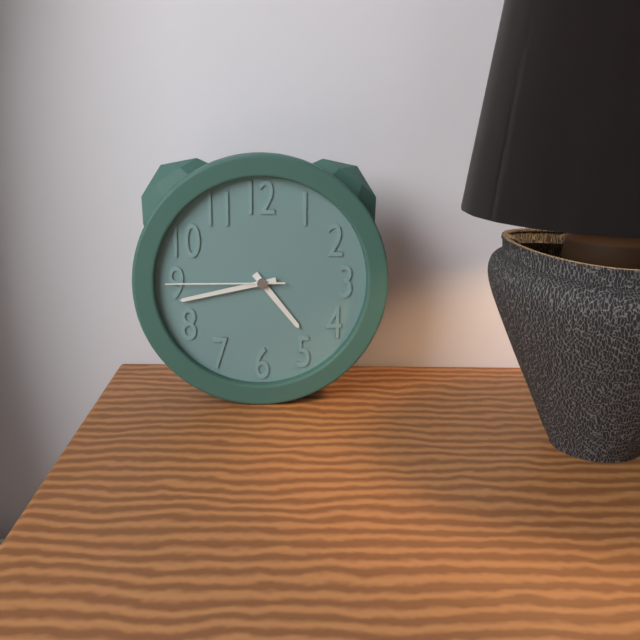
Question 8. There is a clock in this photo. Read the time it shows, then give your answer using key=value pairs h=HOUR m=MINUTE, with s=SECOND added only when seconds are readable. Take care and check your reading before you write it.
h=4 m=43 s=45
